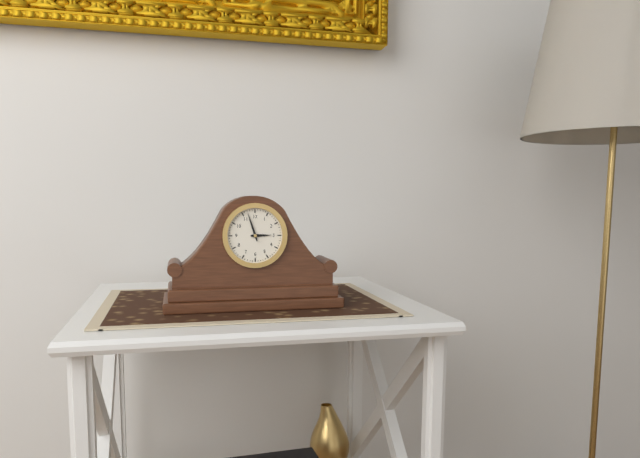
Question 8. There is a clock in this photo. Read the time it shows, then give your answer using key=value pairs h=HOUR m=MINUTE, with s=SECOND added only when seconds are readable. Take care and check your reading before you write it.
h=2 m=57
